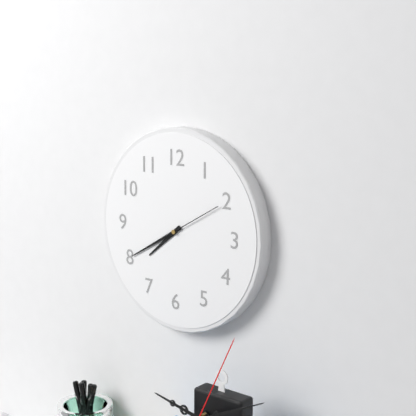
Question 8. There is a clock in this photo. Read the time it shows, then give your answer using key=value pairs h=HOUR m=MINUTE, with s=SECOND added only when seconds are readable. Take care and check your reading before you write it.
h=7 m=40 s=10
